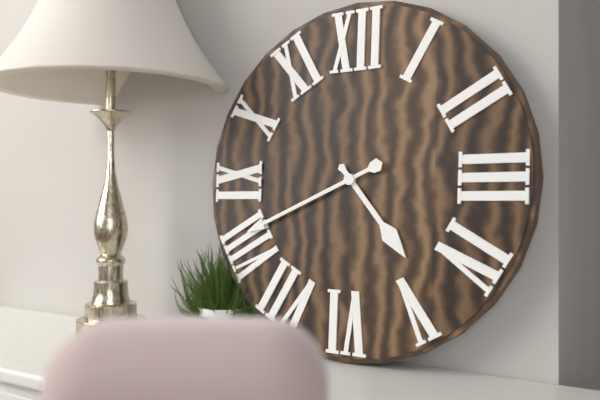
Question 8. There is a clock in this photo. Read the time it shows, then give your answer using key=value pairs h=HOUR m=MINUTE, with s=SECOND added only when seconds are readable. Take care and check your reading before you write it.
h=4 m=41
